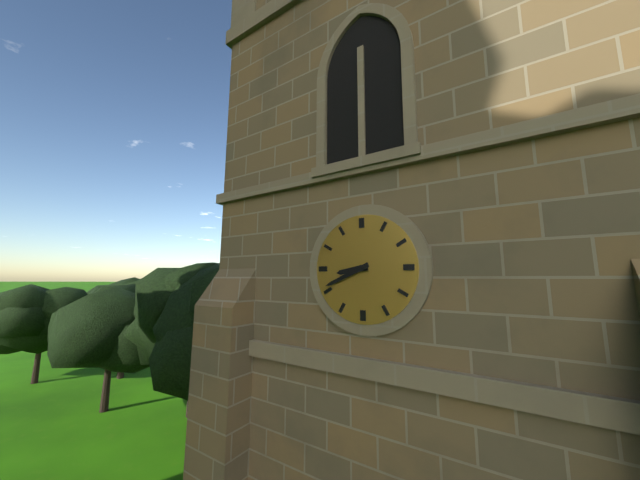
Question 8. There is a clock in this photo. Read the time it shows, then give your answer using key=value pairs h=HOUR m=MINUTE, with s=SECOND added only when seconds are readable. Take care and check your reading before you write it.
h=8 m=41
